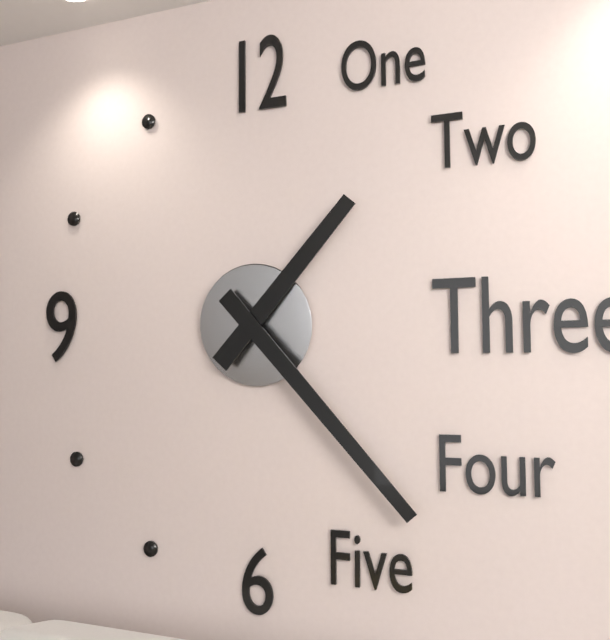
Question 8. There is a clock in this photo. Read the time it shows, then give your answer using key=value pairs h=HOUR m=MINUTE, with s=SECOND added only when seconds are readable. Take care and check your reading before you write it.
h=1 m=23
